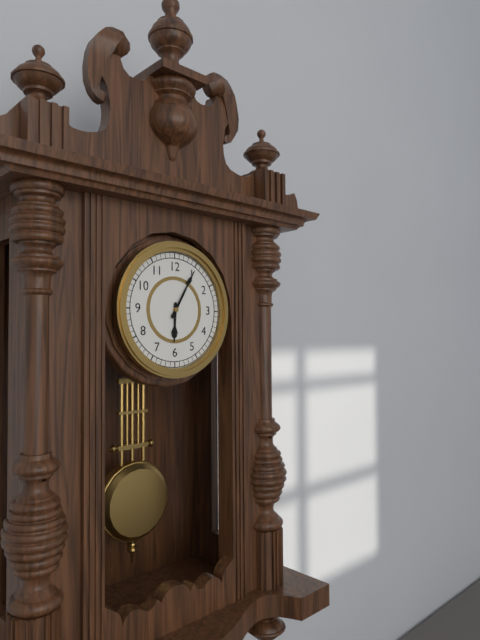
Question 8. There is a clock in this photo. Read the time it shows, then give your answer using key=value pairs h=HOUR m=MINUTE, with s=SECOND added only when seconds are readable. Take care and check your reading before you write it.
h=6 m=5
